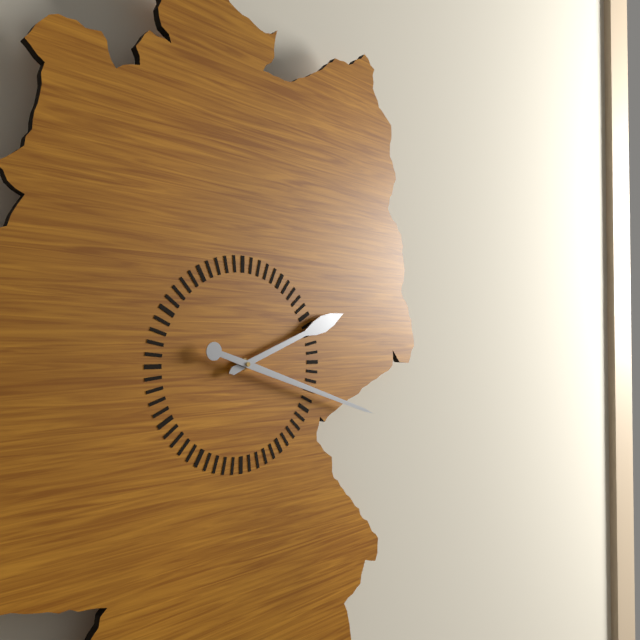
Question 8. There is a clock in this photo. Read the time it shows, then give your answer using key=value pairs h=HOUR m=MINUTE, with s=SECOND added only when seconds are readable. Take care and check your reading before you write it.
h=2 m=18
